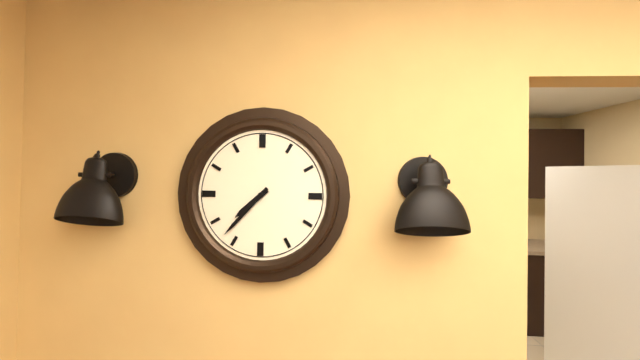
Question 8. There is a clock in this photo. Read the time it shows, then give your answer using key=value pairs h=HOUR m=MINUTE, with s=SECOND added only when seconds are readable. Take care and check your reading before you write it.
h=7 m=37
